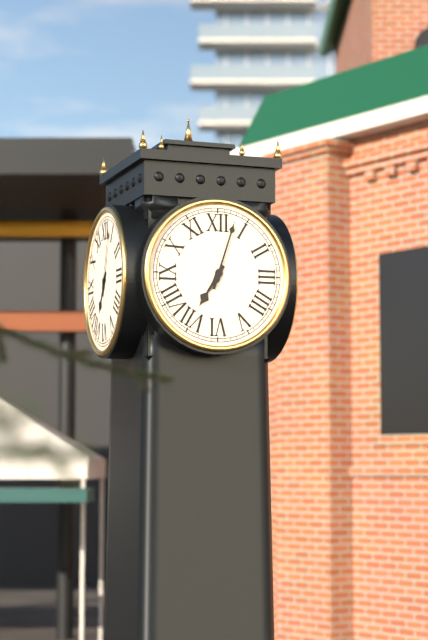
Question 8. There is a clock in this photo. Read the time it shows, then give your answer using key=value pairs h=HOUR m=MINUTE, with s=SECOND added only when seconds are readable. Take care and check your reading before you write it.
h=7 m=3
